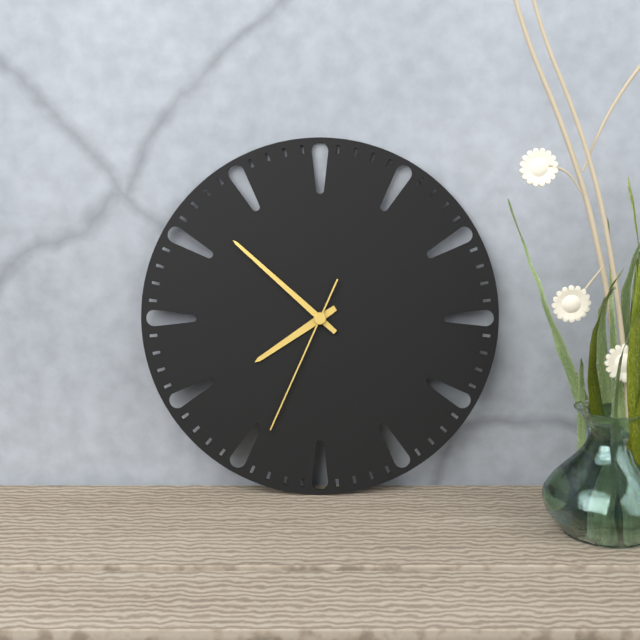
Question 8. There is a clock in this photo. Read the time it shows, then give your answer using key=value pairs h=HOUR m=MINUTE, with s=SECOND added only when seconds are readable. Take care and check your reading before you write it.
h=7 m=52 s=34
